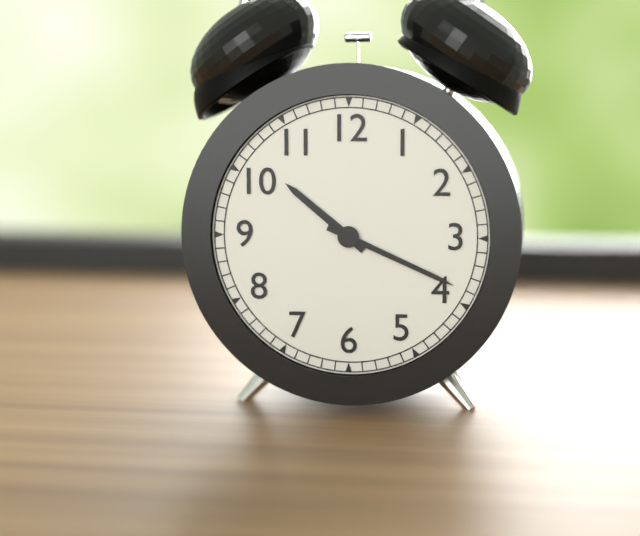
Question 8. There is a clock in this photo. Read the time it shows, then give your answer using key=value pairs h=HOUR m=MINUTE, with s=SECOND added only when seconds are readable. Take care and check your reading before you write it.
h=10 m=19
